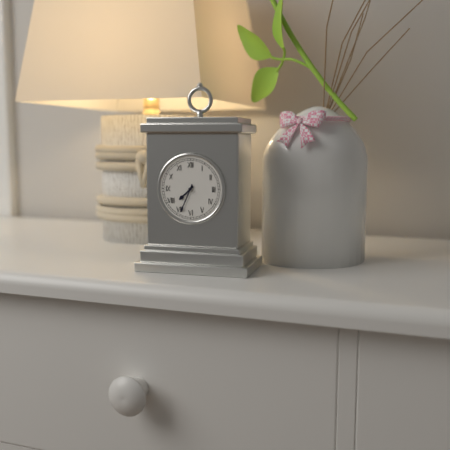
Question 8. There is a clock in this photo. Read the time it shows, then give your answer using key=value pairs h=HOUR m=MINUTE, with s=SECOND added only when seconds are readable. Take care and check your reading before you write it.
h=7 m=34
